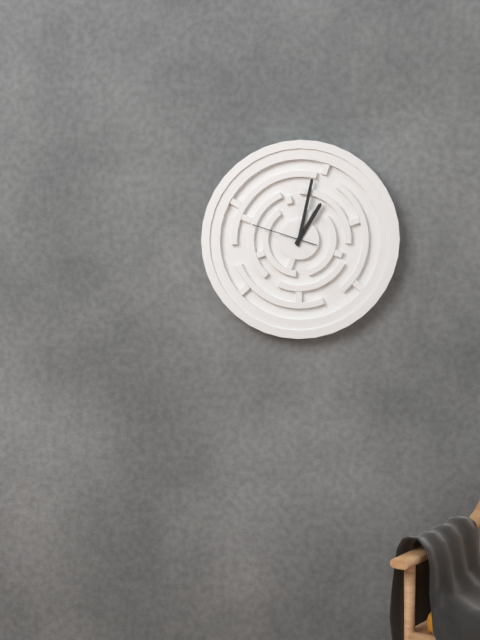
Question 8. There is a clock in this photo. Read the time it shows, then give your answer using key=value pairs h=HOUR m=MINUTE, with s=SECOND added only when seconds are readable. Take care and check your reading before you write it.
h=1 m=2 s=48
